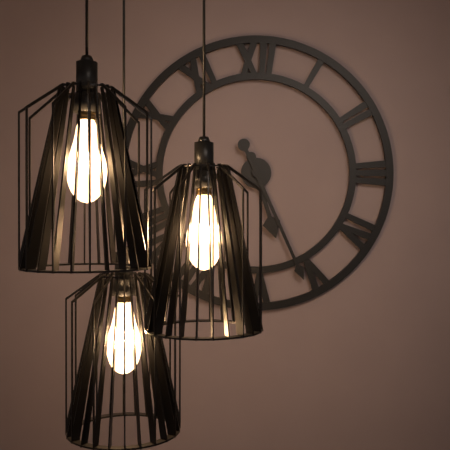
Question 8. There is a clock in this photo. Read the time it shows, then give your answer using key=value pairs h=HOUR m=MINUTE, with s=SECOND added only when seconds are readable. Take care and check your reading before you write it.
h=5 m=26
